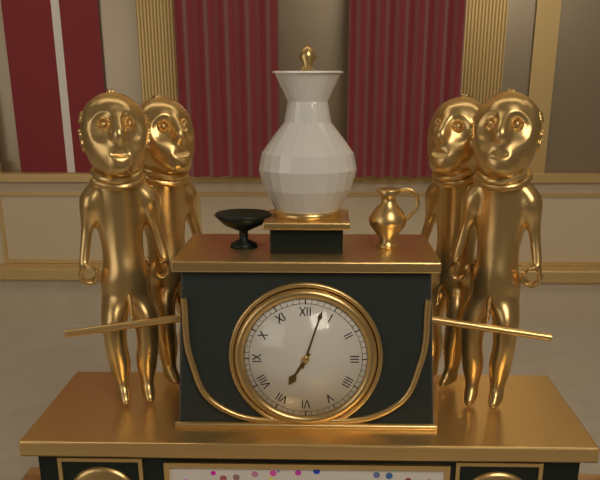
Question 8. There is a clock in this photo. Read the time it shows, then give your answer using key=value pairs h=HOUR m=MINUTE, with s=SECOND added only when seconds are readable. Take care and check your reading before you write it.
h=7 m=3
